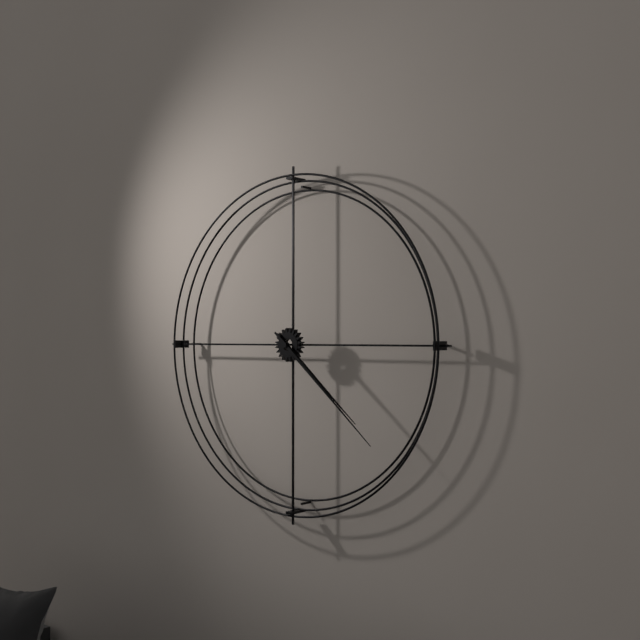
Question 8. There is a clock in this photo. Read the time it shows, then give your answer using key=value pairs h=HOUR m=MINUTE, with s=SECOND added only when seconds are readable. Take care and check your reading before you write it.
h=4 m=22
